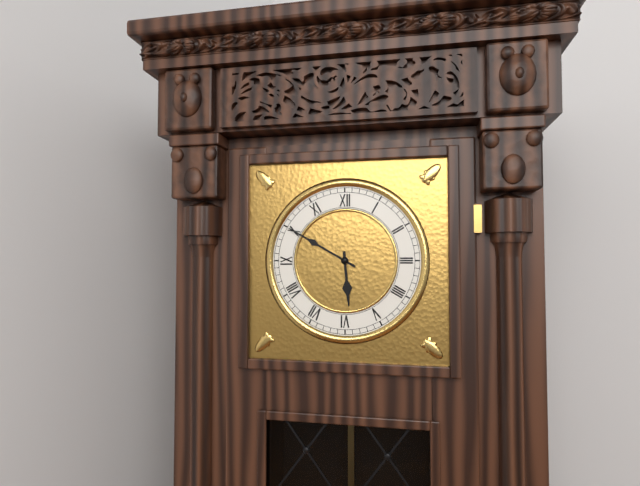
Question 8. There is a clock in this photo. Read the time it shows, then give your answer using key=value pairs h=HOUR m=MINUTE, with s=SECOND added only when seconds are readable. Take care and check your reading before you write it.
h=5 m=50
